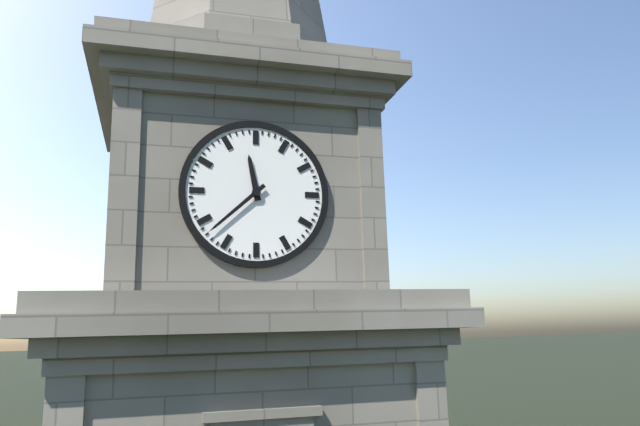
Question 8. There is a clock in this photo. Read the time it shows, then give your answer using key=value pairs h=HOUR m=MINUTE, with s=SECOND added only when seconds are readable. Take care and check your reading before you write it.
h=11 m=38
